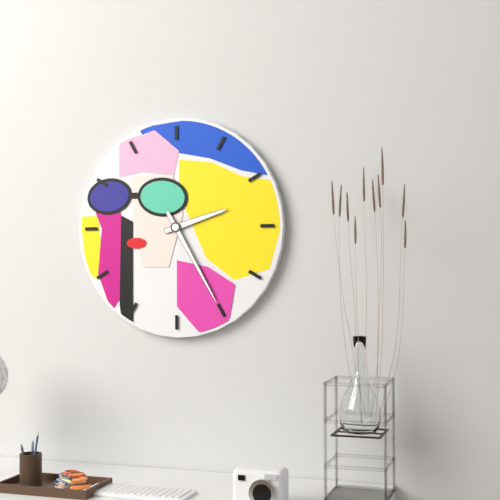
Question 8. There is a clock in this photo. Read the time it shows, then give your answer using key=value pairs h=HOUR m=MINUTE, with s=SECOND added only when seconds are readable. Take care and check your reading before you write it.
h=2 m=25
